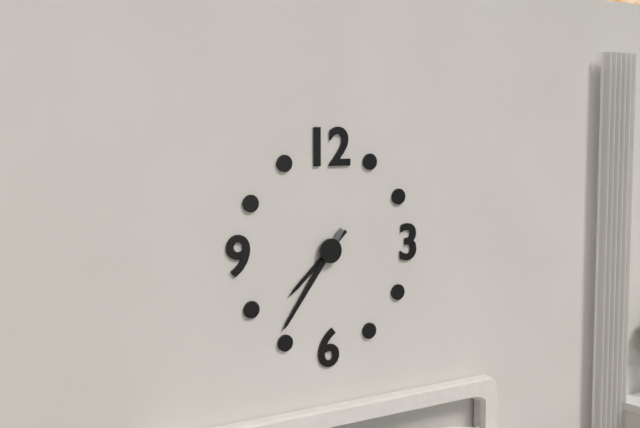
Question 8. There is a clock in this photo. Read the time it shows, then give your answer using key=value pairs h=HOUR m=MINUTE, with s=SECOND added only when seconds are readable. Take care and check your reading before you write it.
h=7 m=36
